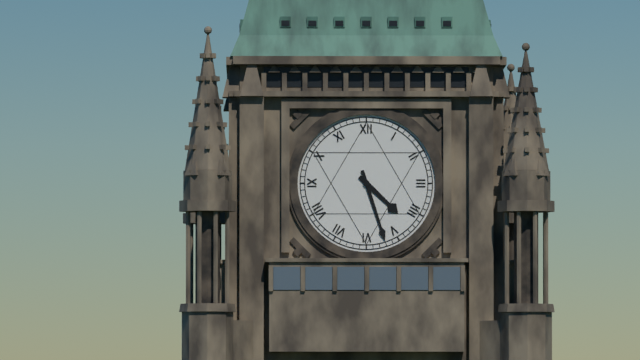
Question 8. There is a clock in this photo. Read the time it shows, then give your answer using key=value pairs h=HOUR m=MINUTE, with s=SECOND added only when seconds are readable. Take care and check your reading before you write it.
h=4 m=27
